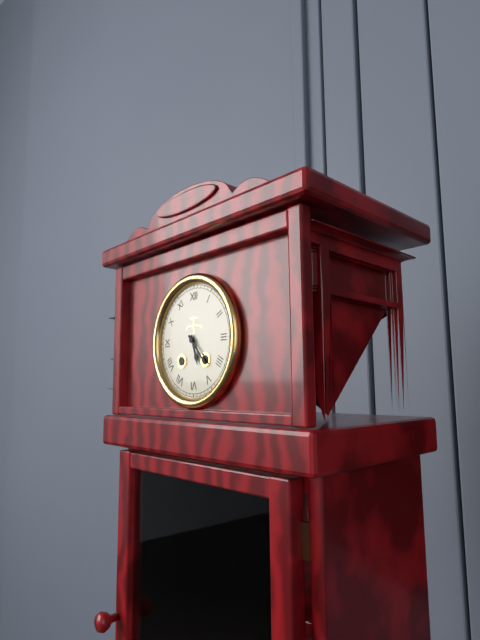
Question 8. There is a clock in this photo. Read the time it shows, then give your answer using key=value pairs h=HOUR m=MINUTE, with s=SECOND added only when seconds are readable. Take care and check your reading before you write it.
h=5 m=23
